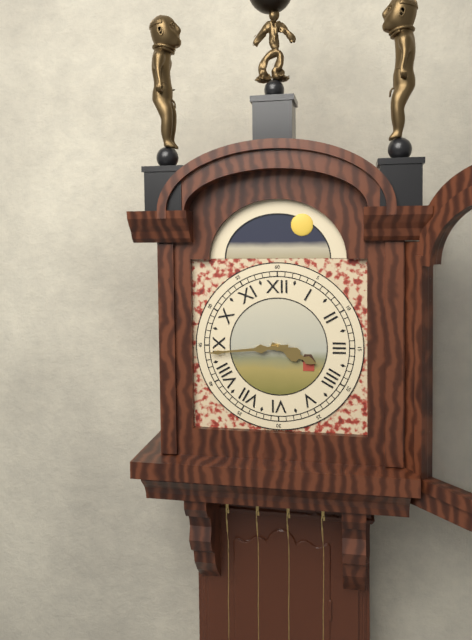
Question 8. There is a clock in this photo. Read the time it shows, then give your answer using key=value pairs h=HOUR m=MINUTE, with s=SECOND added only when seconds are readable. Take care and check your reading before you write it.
h=3 m=44
